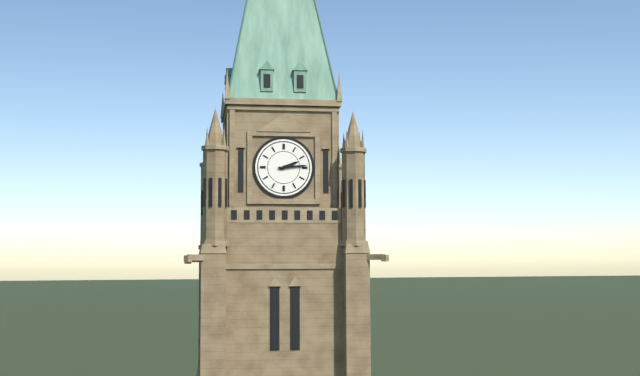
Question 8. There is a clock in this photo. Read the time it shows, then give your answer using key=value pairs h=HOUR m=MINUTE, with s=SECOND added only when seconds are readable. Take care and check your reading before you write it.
h=2 m=14
